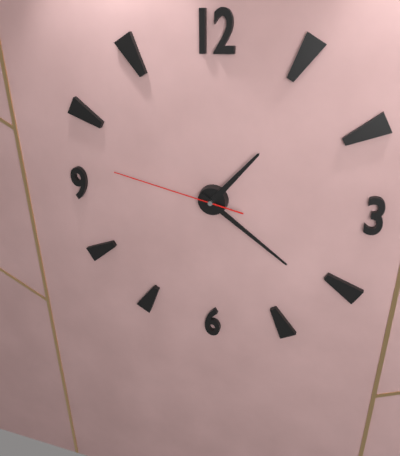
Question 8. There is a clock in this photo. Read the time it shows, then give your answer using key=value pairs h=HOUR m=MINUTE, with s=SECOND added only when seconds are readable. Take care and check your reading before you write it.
h=1 m=21 s=47
